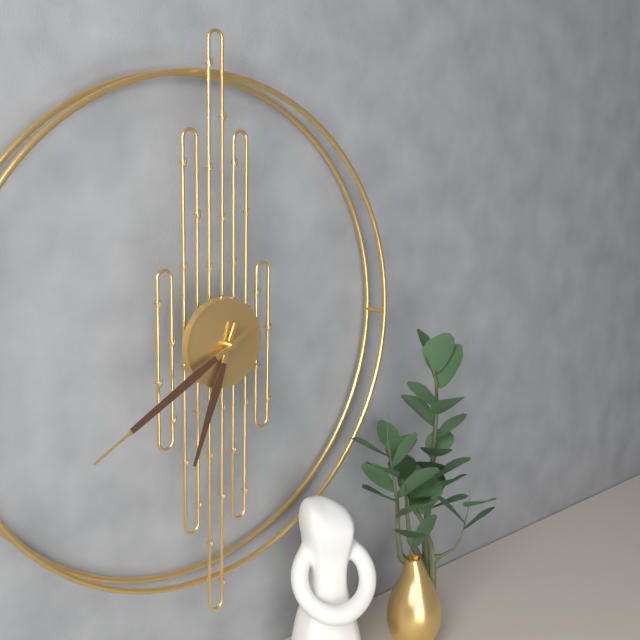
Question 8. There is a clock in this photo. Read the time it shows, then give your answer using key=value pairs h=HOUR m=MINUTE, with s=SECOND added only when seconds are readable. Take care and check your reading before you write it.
h=6 m=40
